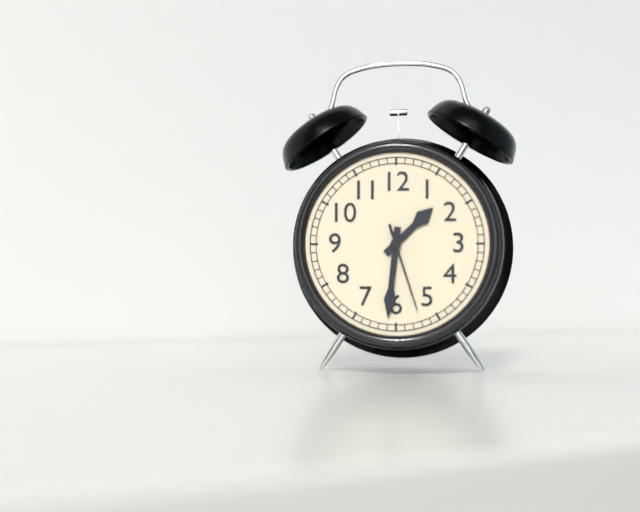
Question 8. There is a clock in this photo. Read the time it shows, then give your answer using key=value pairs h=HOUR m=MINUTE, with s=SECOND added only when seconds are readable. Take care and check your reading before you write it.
h=1 m=31 s=27
